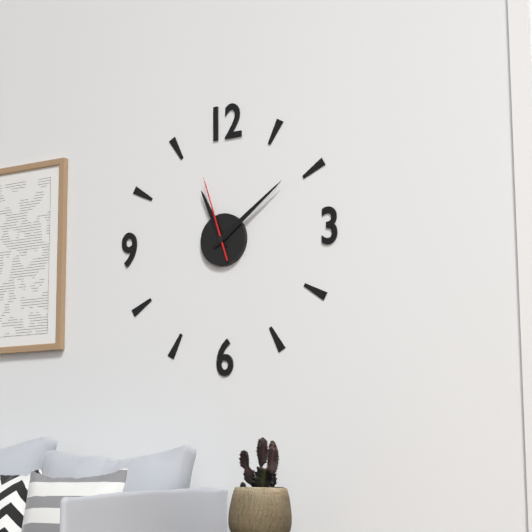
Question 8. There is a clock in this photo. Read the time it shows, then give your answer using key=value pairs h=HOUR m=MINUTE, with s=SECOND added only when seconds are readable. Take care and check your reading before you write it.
h=11 m=9 s=57
